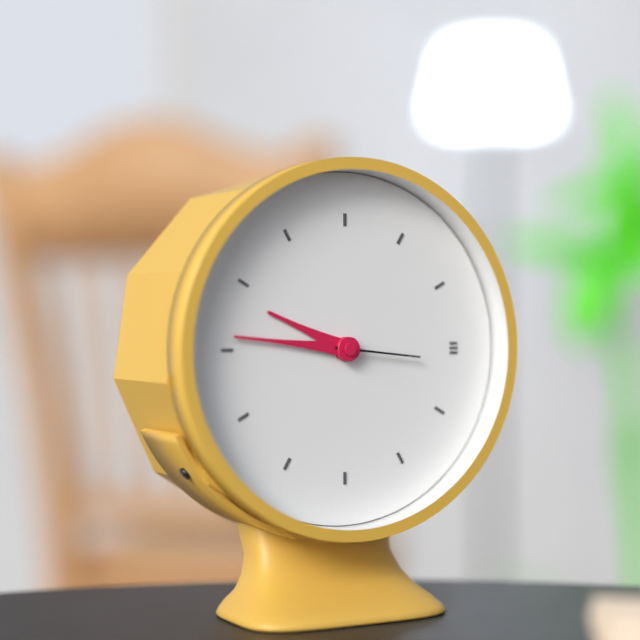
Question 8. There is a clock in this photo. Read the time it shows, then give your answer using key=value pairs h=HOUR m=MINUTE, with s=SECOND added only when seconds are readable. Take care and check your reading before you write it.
h=9 m=46 s=16
